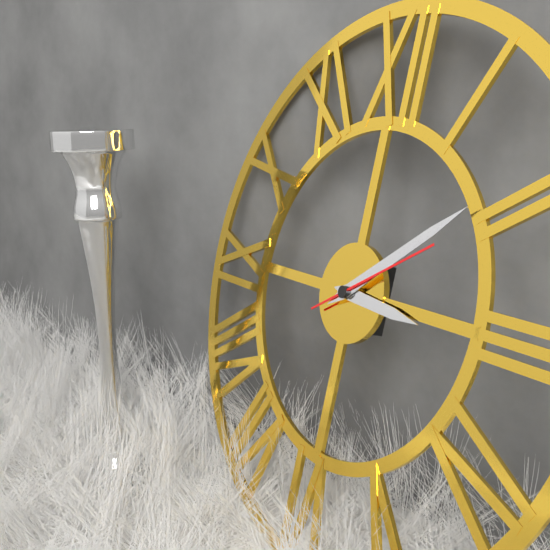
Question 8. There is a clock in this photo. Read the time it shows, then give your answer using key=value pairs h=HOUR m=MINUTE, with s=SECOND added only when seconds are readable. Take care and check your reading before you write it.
h=3 m=9 s=10
